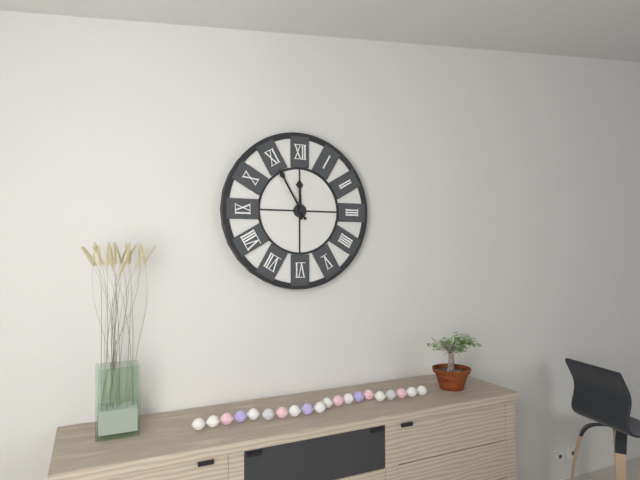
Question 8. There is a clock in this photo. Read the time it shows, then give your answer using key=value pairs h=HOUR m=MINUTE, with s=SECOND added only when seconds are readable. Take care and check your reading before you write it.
h=11 m=55
